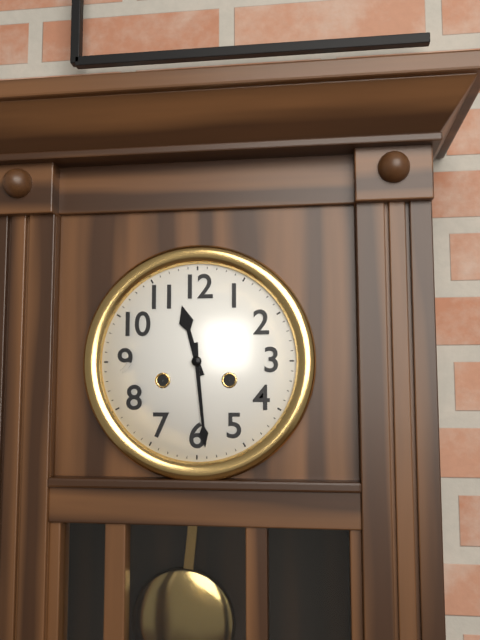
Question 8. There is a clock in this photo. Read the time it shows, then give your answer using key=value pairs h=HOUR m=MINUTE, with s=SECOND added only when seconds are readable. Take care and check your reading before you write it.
h=11 m=29
